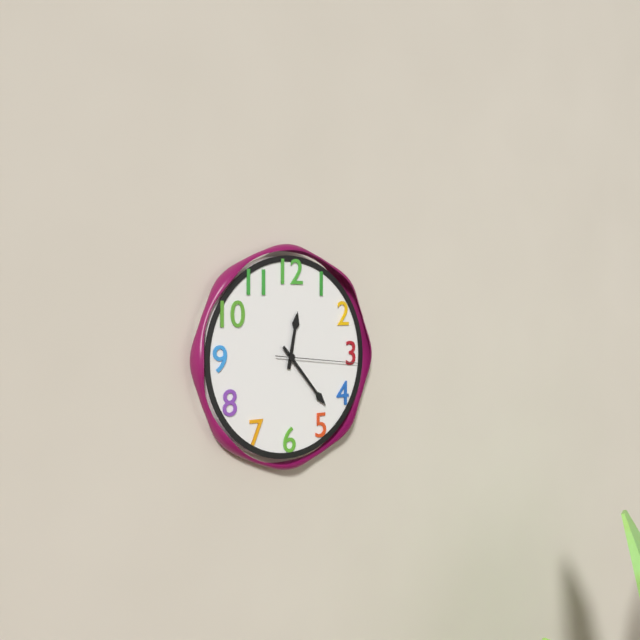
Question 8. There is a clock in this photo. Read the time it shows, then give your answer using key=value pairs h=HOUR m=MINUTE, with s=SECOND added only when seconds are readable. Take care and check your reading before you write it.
h=12 m=23 s=16
